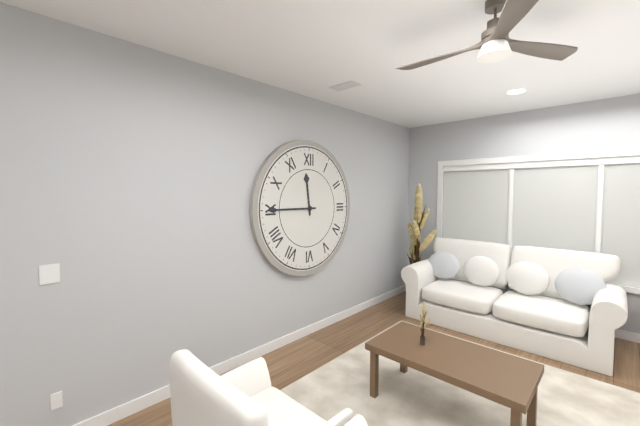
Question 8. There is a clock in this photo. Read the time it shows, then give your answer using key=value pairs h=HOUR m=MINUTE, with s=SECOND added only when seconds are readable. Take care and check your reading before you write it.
h=11 m=45
